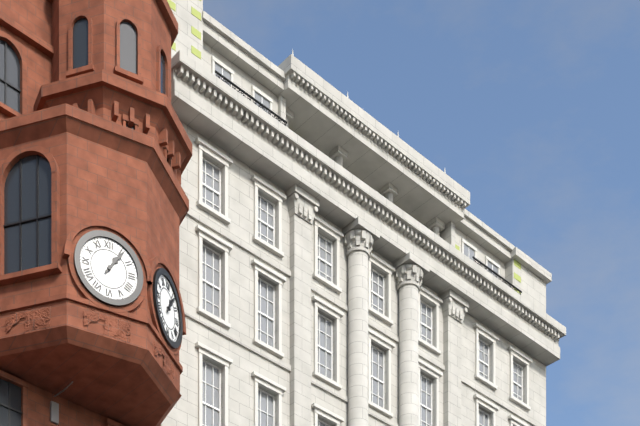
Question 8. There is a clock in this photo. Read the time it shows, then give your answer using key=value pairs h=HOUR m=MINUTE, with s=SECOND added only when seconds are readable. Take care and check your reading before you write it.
h=1 m=6
